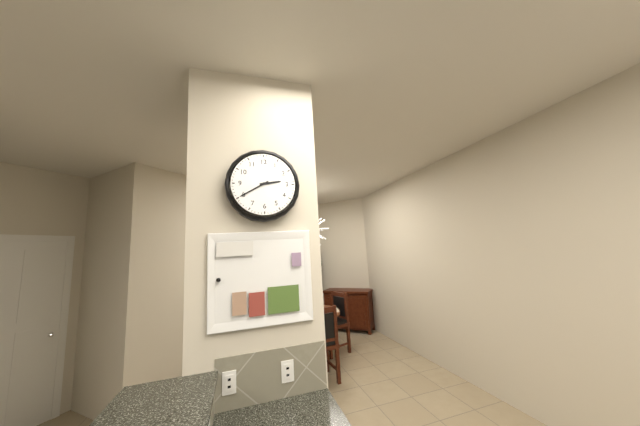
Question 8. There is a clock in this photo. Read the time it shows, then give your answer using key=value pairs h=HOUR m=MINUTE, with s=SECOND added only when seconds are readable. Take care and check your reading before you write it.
h=2 m=40
